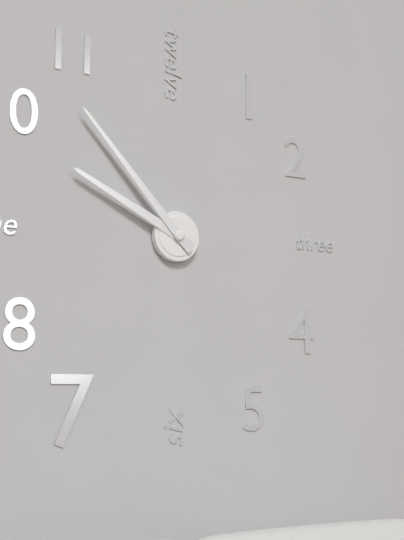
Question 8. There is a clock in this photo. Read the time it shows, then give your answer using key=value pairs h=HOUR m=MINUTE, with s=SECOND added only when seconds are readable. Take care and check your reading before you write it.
h=9 m=53
